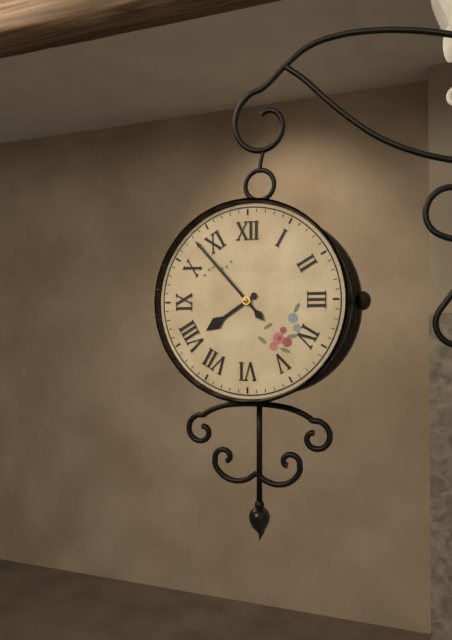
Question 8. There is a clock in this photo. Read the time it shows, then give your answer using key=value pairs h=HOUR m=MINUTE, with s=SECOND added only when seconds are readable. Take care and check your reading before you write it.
h=7 m=53
